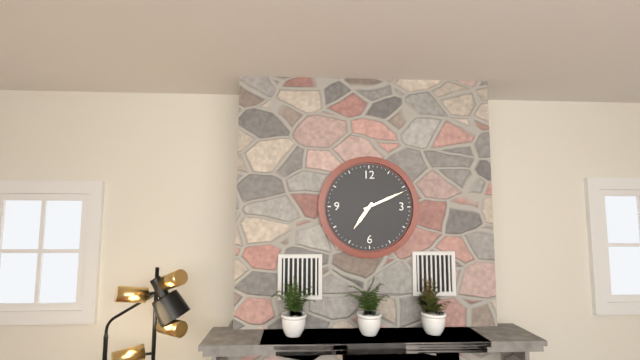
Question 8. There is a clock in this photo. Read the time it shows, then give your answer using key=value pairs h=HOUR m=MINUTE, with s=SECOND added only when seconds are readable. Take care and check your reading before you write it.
h=7 m=11
